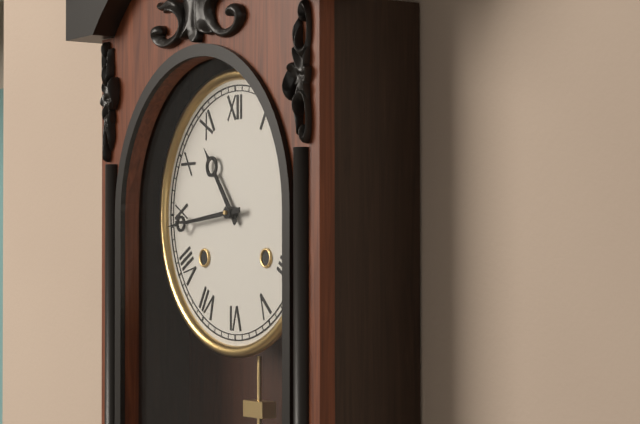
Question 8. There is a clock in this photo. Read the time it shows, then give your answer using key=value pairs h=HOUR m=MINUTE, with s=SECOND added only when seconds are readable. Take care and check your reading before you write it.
h=10 m=44
